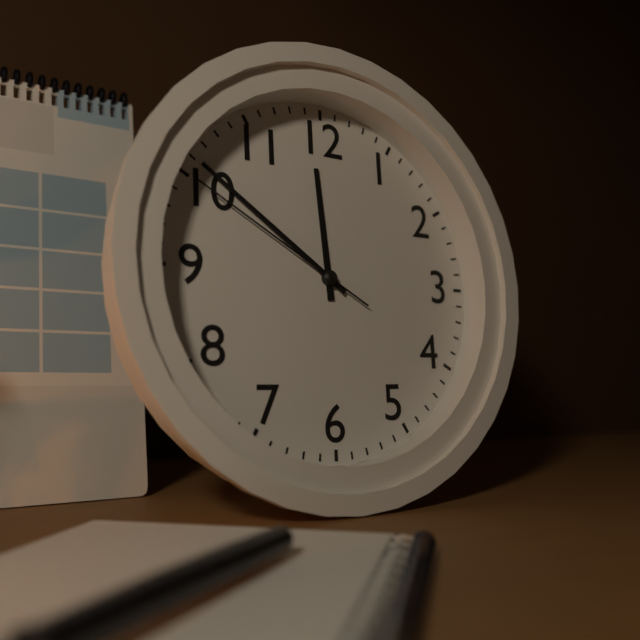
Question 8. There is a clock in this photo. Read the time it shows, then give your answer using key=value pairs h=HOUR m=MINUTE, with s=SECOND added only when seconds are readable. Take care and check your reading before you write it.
h=11 m=51 s=50
